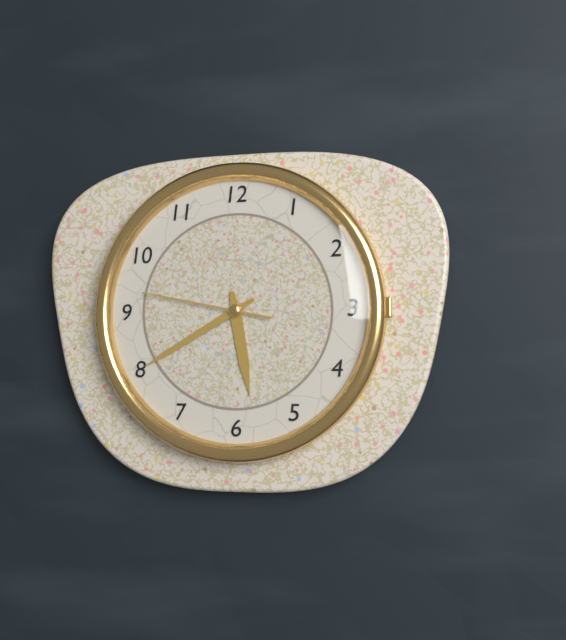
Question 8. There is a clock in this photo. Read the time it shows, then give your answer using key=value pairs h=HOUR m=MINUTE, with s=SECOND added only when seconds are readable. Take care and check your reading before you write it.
h=5 m=40 s=47
